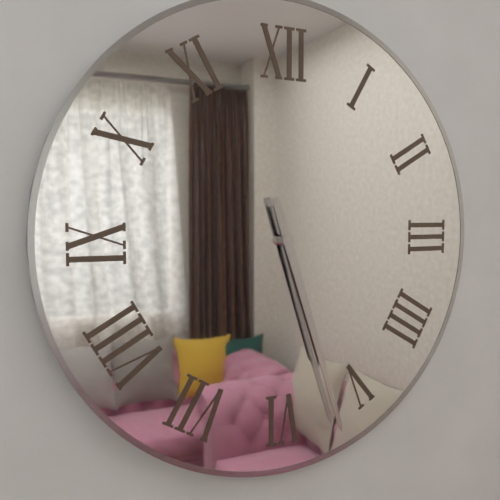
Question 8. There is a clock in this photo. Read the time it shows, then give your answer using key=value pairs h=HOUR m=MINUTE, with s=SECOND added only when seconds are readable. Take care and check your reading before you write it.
h=5 m=27
